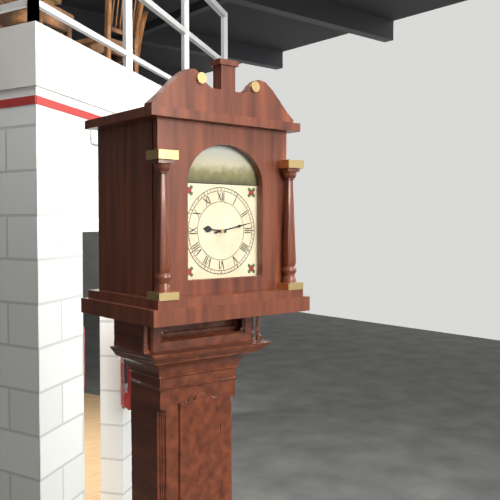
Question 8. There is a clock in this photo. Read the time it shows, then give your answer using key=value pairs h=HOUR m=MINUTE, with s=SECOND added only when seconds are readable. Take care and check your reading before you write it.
h=9 m=13
